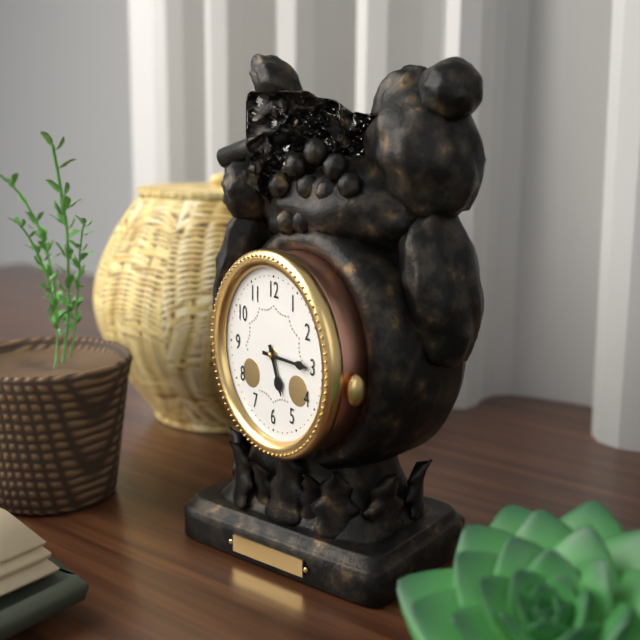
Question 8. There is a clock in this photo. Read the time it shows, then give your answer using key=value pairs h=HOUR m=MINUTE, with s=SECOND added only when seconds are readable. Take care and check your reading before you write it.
h=5 m=15
